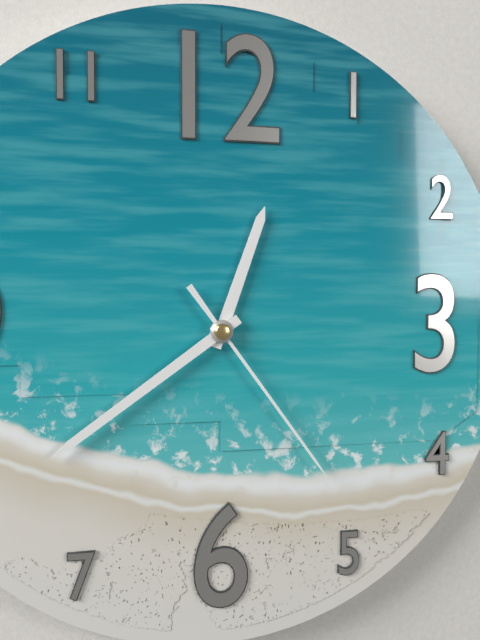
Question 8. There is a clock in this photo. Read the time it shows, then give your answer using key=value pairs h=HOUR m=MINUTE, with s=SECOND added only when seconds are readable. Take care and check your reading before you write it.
h=12 m=39 s=24
